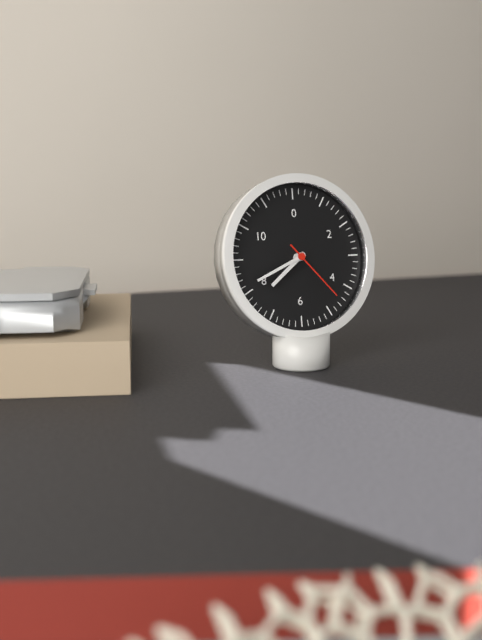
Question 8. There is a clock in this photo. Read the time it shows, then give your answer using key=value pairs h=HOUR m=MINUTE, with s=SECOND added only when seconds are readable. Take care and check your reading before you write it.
h=7 m=41 s=23
